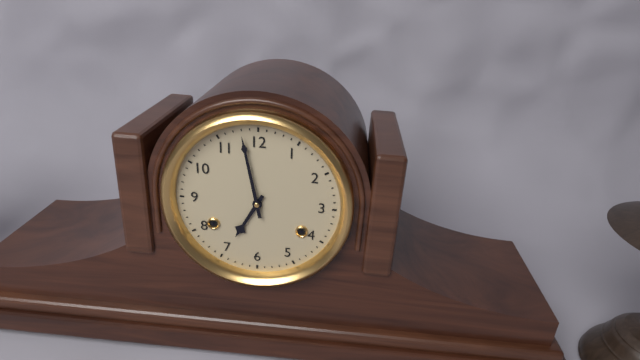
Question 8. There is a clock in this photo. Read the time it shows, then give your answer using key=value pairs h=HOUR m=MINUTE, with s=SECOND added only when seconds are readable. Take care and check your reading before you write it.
h=6 m=58
